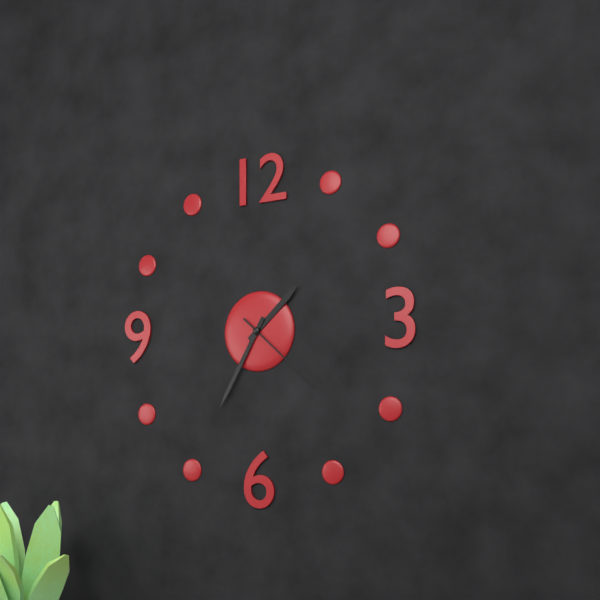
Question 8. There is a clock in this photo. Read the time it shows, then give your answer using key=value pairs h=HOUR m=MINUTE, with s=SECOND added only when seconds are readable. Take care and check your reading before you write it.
h=1 m=35 s=22
